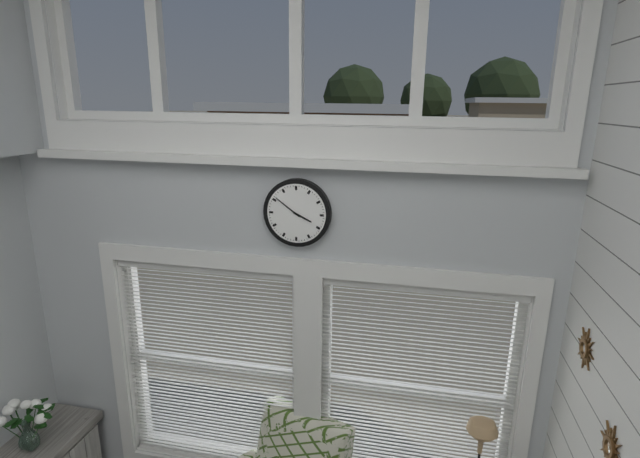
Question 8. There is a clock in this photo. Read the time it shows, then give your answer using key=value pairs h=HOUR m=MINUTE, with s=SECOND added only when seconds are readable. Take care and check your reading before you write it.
h=3 m=51
